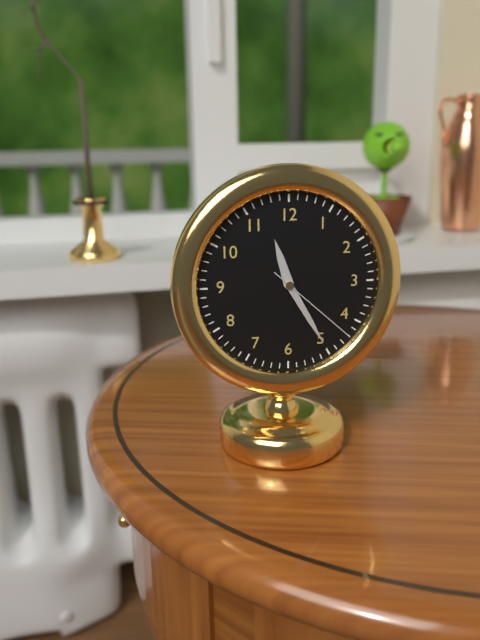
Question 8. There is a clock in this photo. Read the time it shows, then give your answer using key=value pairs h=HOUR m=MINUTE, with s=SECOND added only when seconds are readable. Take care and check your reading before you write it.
h=11 m=25 s=22
